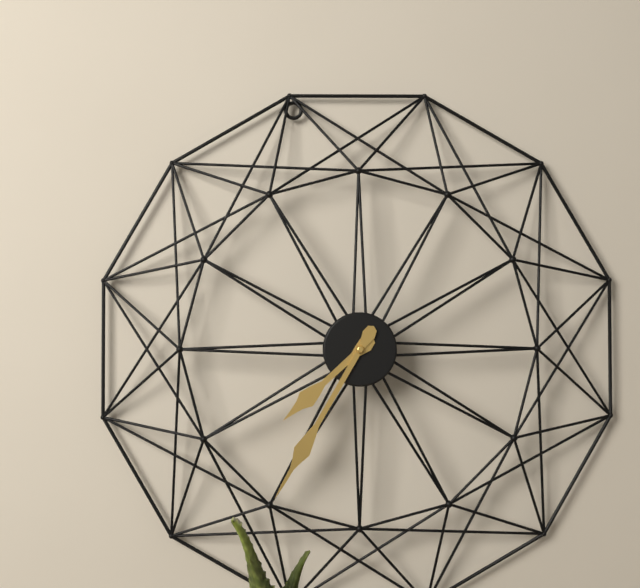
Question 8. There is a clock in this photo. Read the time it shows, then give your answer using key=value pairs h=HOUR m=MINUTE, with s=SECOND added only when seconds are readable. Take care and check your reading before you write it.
h=7 m=35
